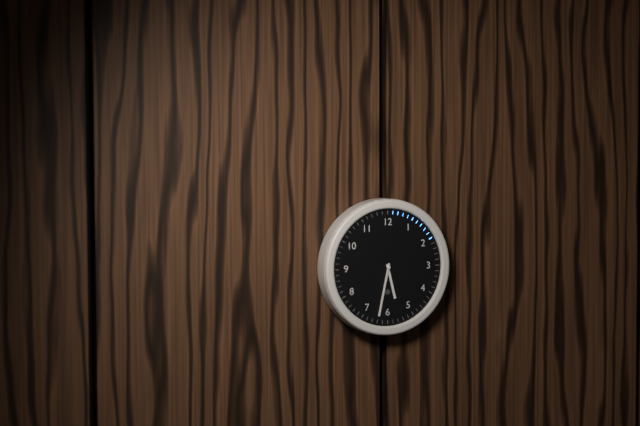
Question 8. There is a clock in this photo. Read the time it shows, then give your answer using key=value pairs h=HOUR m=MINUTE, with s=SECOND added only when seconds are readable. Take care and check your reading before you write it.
h=5 m=32
